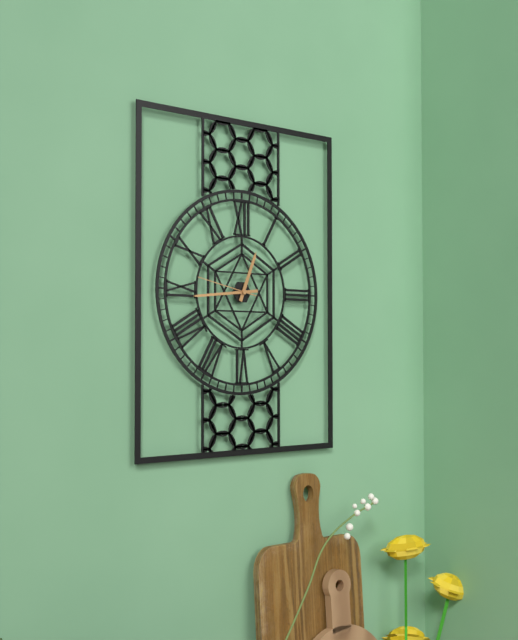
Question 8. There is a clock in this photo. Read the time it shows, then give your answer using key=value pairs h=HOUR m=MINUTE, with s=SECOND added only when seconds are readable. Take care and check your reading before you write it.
h=12 m=44 s=47
